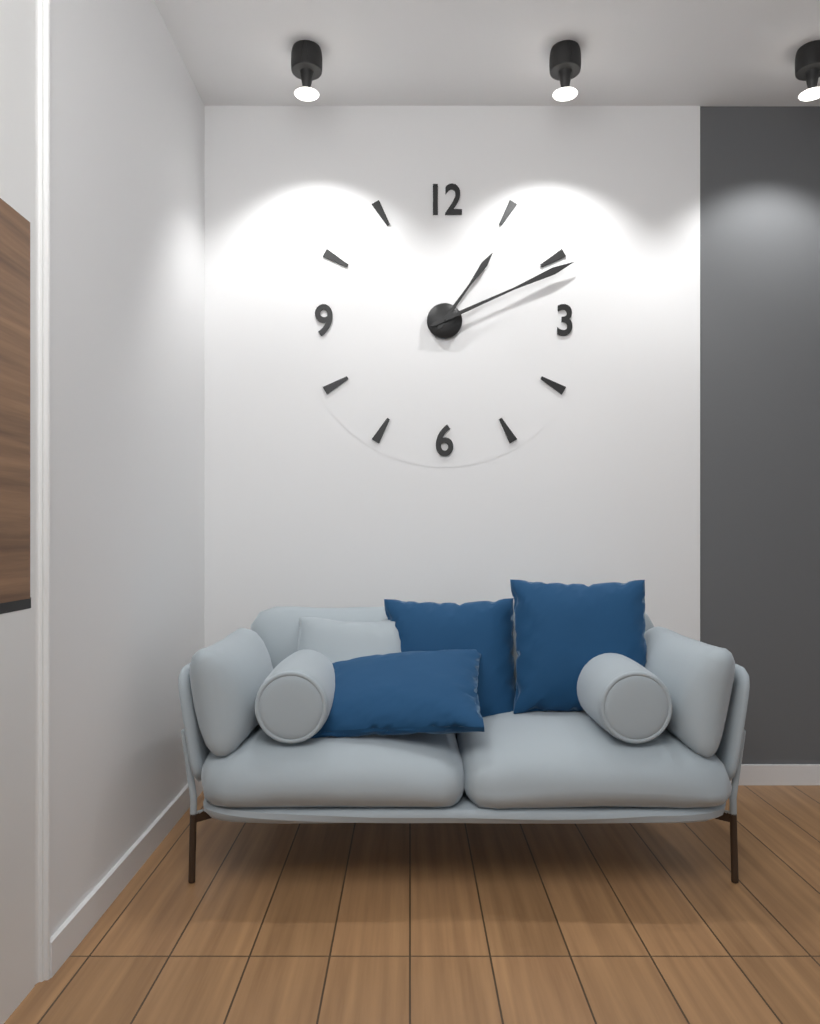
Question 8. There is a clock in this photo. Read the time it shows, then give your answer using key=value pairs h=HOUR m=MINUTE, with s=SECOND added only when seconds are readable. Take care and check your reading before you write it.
h=1 m=11
